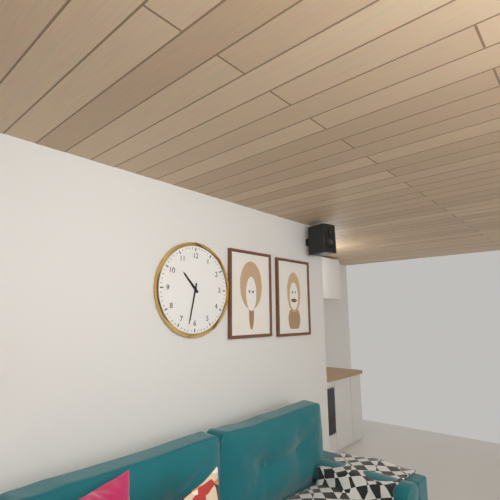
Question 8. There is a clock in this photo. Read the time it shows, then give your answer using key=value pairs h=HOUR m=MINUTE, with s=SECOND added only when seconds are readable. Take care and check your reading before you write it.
h=10 m=32
